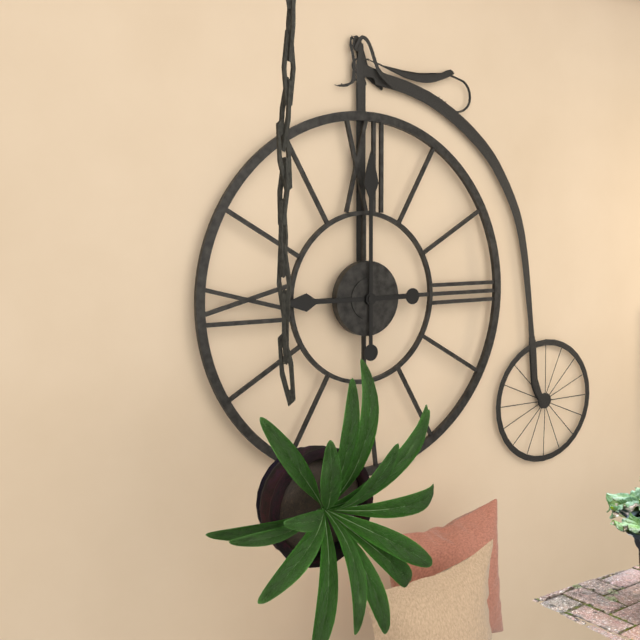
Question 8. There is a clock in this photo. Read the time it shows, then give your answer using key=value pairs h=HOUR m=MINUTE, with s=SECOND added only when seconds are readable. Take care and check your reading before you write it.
h=9 m=0
